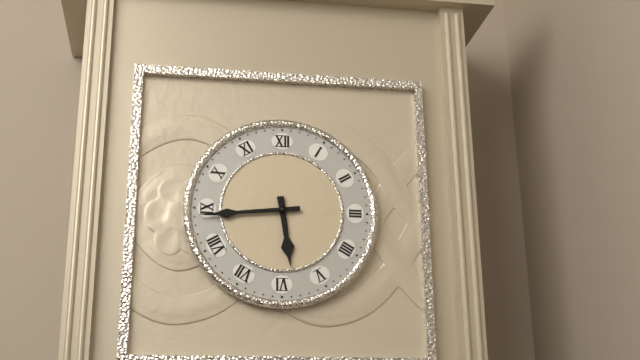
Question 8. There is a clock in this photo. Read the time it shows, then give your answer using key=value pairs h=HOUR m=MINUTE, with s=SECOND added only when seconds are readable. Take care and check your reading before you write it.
h=5 m=44
